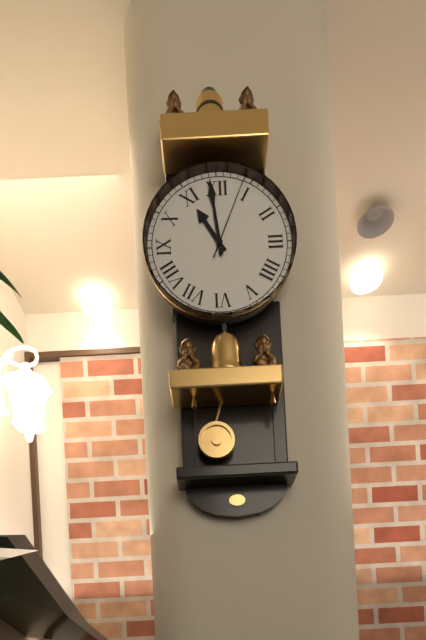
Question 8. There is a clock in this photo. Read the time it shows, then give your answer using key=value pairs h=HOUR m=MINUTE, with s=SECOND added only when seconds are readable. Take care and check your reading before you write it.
h=10 m=59 s=4
